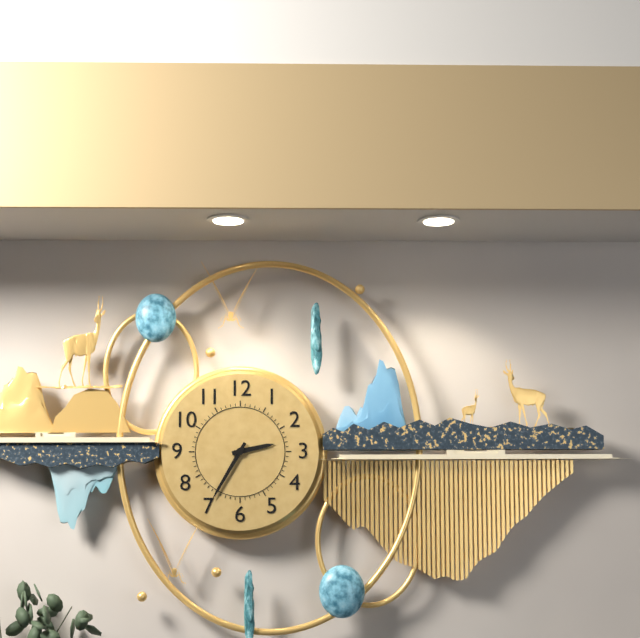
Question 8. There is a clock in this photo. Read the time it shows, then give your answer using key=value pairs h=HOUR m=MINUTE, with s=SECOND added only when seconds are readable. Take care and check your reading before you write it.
h=2 m=35
